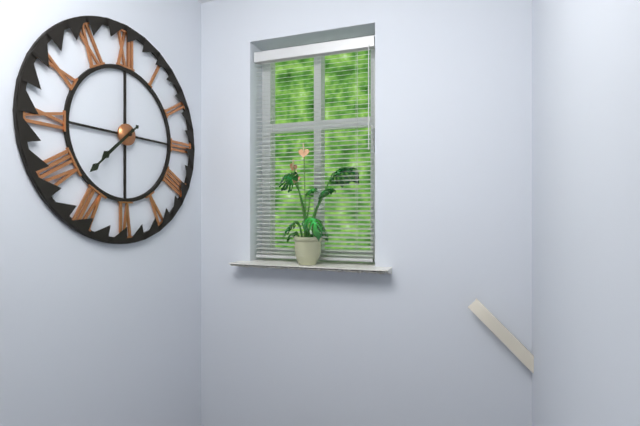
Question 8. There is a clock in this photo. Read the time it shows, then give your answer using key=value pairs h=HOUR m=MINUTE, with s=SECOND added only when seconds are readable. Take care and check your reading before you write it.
h=7 m=38
